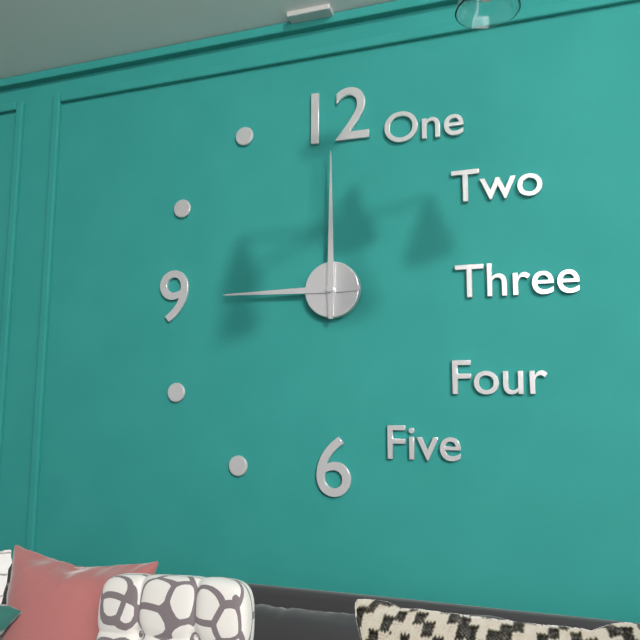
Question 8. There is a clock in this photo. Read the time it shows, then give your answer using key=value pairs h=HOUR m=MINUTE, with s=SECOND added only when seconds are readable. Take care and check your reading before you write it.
h=9 m=0
